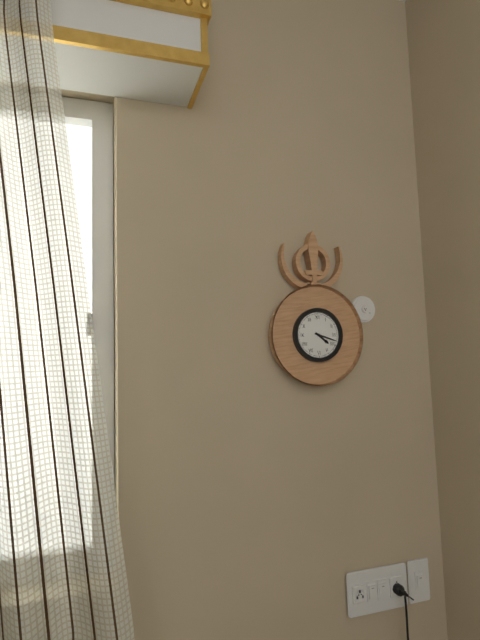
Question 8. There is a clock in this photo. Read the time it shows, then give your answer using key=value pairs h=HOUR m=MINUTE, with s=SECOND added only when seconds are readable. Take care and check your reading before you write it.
h=4 m=18
